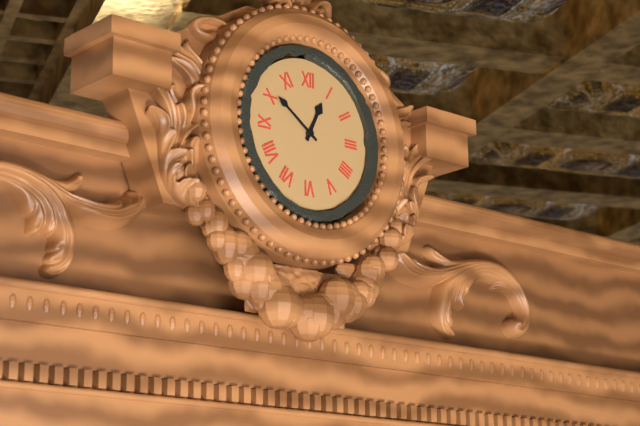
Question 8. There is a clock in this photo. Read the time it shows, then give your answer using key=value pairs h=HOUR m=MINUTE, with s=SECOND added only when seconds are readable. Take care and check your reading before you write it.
h=12 m=51
